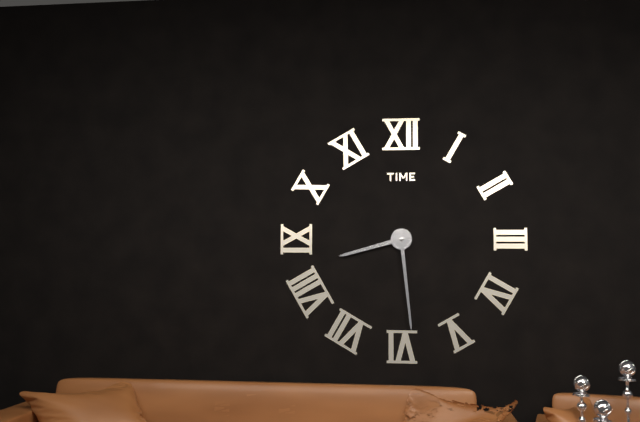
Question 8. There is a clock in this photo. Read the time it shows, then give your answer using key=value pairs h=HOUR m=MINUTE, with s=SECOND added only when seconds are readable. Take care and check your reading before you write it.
h=8 m=29
